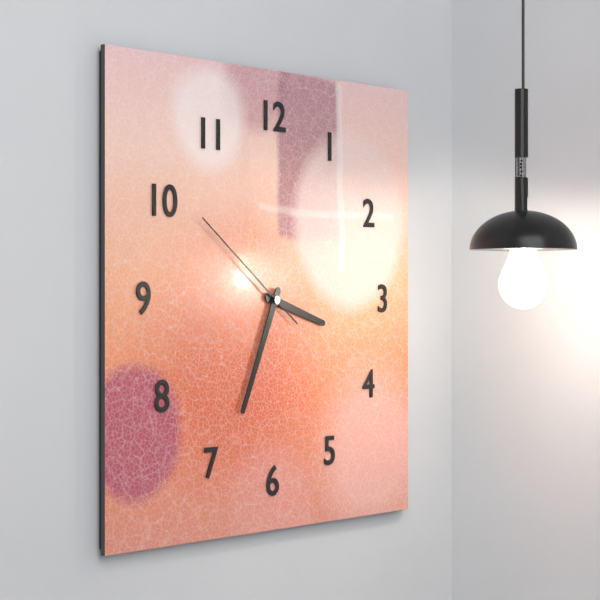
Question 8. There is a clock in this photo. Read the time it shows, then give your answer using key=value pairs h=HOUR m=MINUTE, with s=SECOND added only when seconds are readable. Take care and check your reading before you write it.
h=3 m=34 s=51
